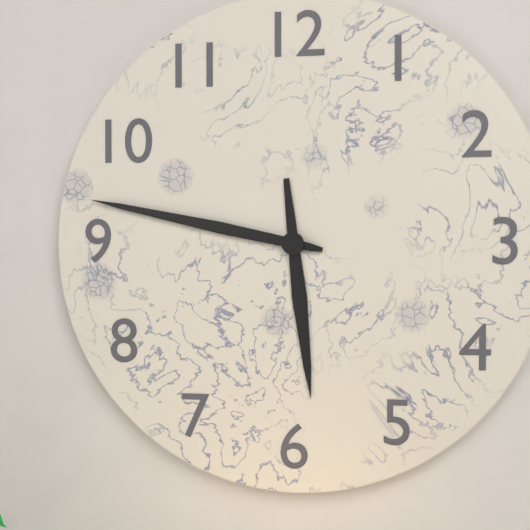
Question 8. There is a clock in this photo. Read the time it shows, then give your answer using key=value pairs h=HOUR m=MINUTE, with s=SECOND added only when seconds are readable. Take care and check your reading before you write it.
h=5 m=47
